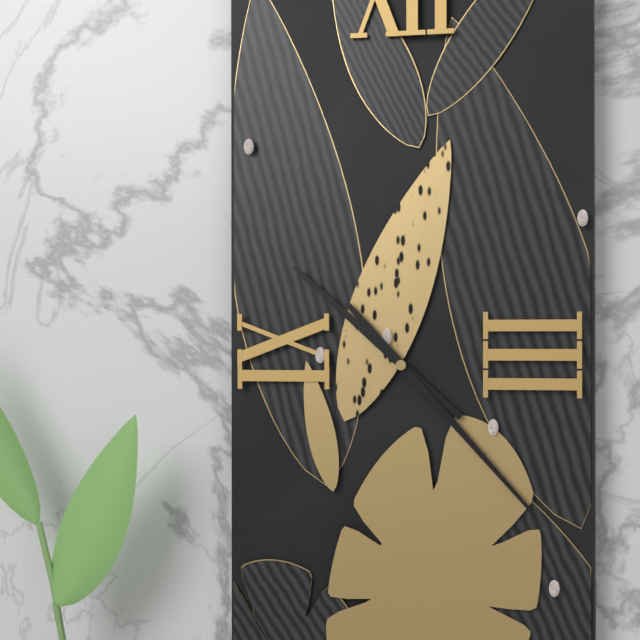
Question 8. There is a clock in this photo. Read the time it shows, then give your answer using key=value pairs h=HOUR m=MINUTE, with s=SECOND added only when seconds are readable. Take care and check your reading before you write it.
h=10 m=23
